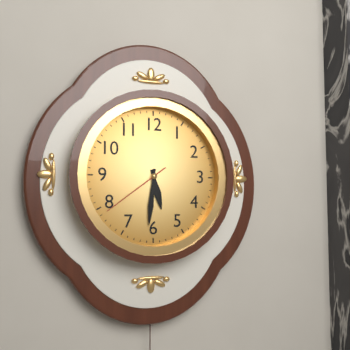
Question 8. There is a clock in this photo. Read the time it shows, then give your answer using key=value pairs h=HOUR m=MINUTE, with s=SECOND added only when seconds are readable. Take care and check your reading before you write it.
h=5 m=31 s=39
